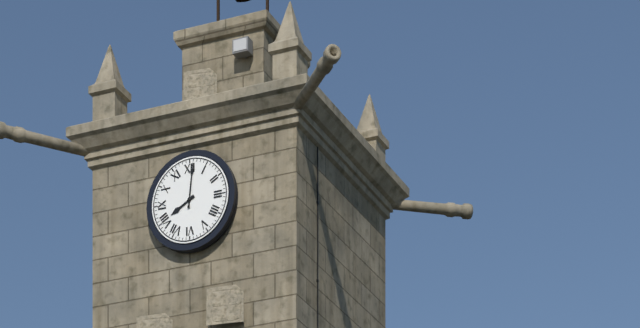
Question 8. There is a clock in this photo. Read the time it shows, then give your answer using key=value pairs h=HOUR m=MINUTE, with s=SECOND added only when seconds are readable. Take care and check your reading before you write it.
h=8 m=1
